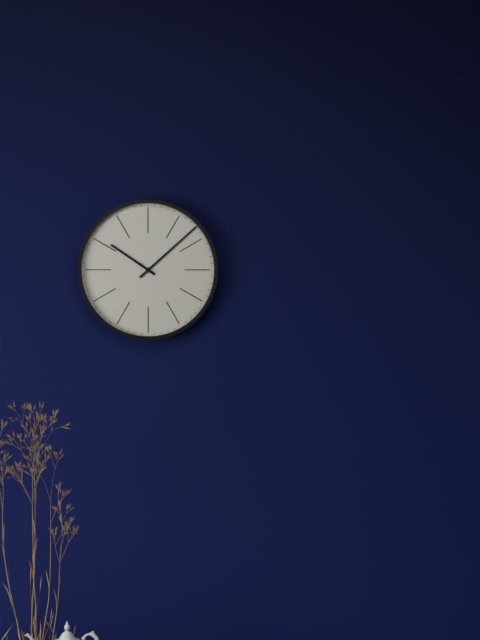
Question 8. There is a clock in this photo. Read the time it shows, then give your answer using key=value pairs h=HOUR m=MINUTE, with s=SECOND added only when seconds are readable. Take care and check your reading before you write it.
h=10 m=8
